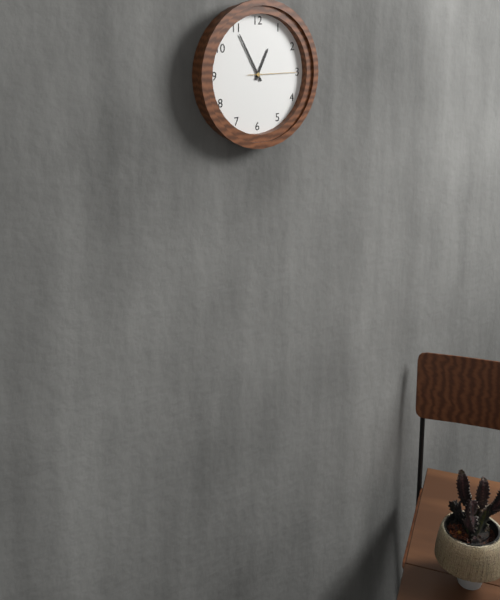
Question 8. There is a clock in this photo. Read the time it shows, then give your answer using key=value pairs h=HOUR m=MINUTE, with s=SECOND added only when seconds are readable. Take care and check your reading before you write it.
h=12 m=55
